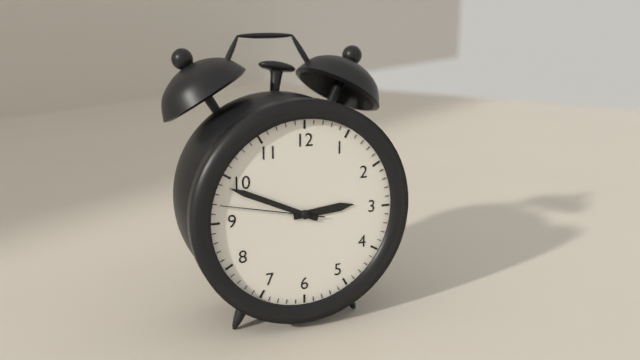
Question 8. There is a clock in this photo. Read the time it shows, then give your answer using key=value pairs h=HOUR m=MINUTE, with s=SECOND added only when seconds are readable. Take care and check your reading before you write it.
h=2 m=49 s=47
